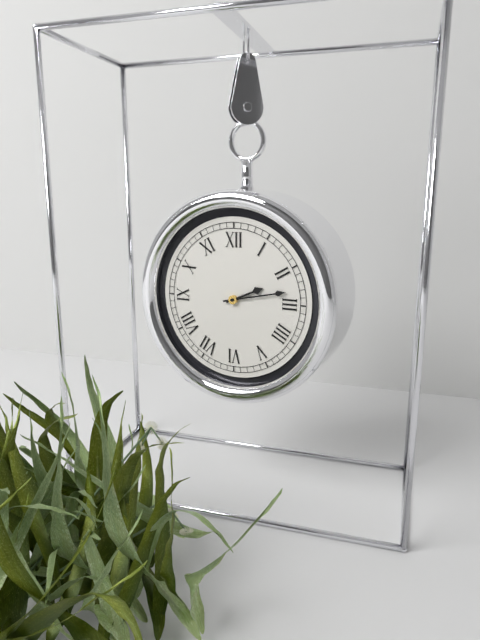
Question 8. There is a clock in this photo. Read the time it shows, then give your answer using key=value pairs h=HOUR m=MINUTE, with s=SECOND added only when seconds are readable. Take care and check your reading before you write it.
h=2 m=13
